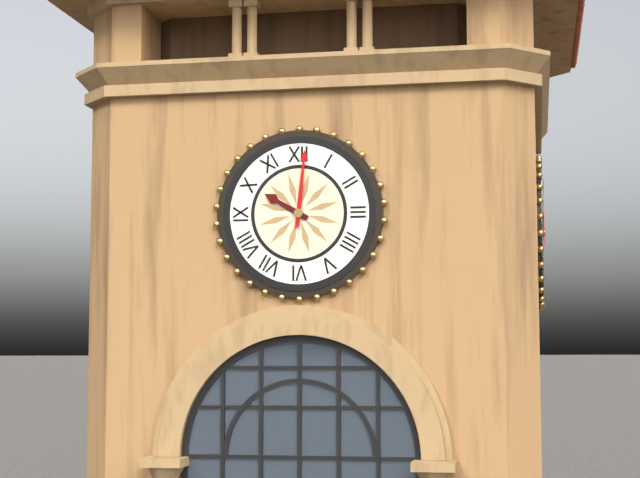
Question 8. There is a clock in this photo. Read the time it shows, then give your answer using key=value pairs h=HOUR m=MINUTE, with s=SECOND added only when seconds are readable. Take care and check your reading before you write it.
h=10 m=1
